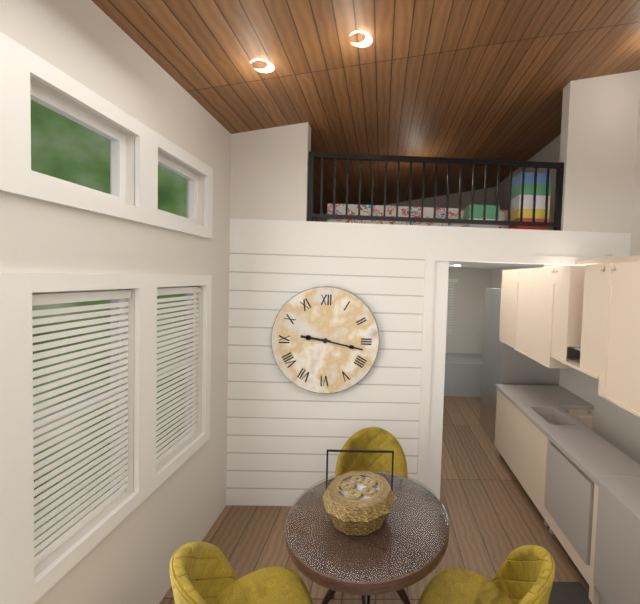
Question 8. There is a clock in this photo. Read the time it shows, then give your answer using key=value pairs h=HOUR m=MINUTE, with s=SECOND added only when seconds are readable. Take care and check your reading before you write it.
h=9 m=17
